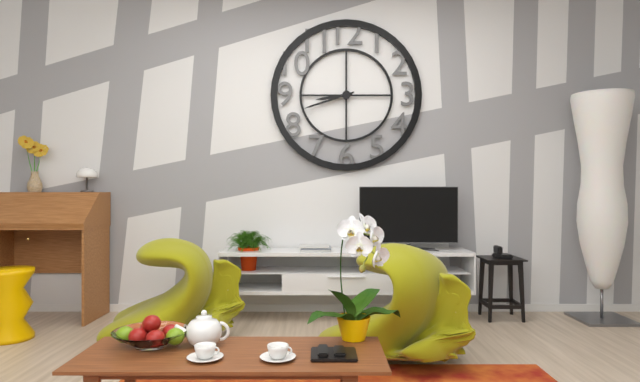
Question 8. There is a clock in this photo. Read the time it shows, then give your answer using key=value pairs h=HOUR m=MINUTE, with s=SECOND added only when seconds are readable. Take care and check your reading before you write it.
h=8 m=42
